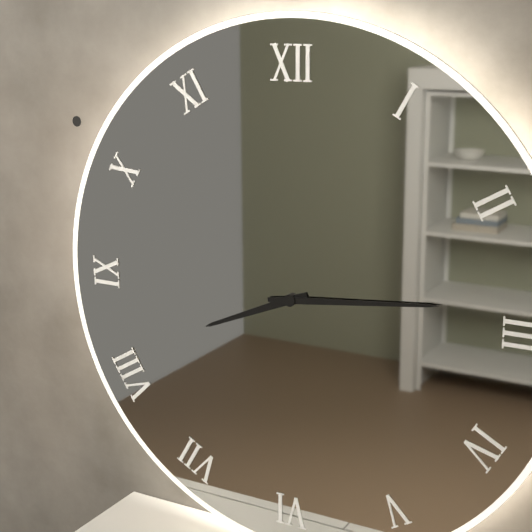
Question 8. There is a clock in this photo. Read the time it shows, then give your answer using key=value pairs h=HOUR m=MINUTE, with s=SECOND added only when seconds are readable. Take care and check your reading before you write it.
h=8 m=14
